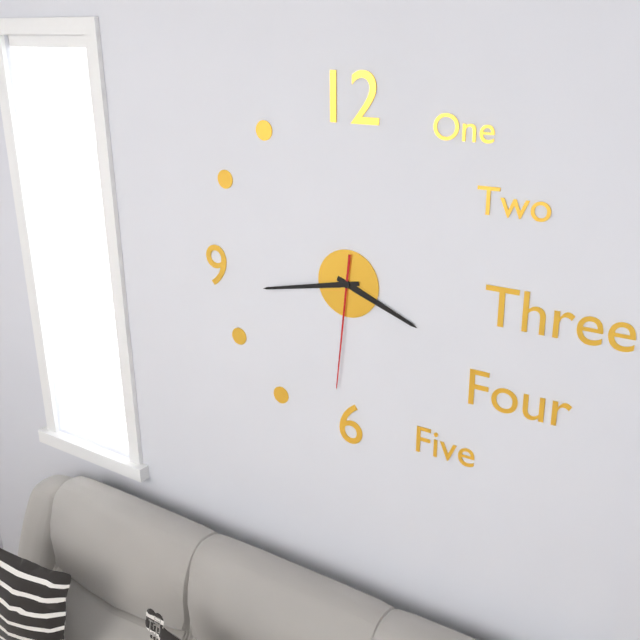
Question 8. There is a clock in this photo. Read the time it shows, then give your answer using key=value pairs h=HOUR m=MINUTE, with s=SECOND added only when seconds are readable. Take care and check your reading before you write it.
h=3 m=43 s=31
